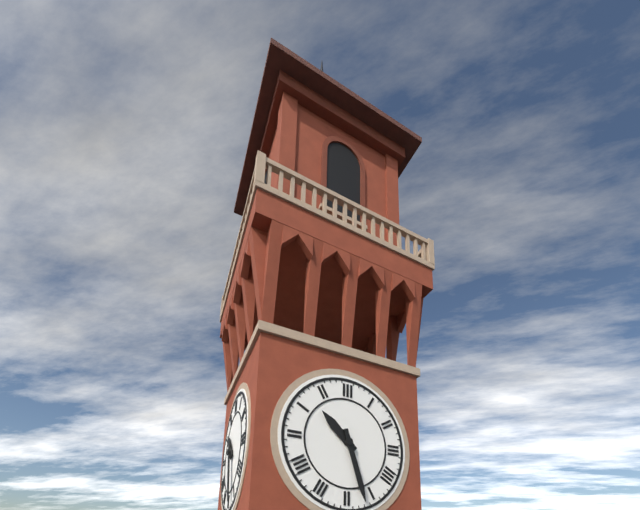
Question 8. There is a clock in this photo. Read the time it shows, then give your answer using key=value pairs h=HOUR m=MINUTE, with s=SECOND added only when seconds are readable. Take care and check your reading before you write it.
h=10 m=27
